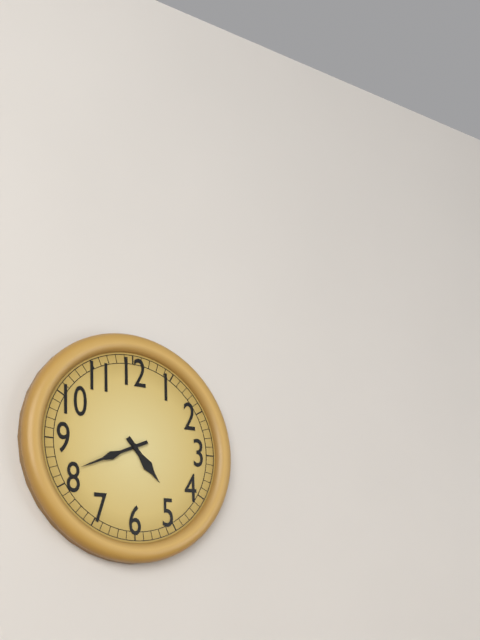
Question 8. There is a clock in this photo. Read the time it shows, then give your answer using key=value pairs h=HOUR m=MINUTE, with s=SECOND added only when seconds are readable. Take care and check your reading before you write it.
h=4 m=41
